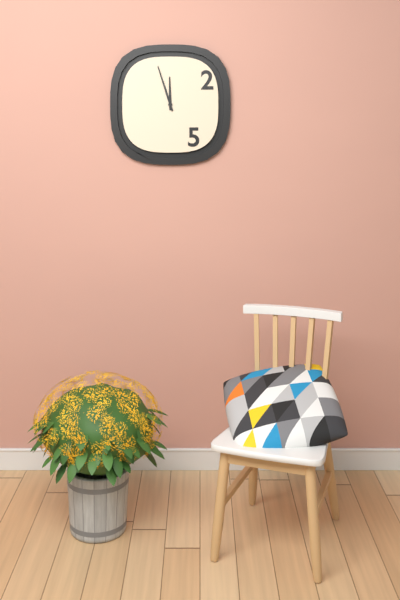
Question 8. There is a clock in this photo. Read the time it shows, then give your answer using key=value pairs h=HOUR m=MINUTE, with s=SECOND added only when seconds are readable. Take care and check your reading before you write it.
h=11 m=57
